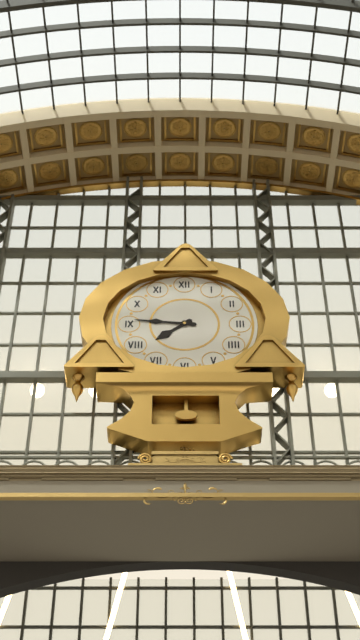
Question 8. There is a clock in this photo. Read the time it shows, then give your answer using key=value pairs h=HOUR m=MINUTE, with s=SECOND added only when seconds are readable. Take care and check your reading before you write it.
h=7 m=46
